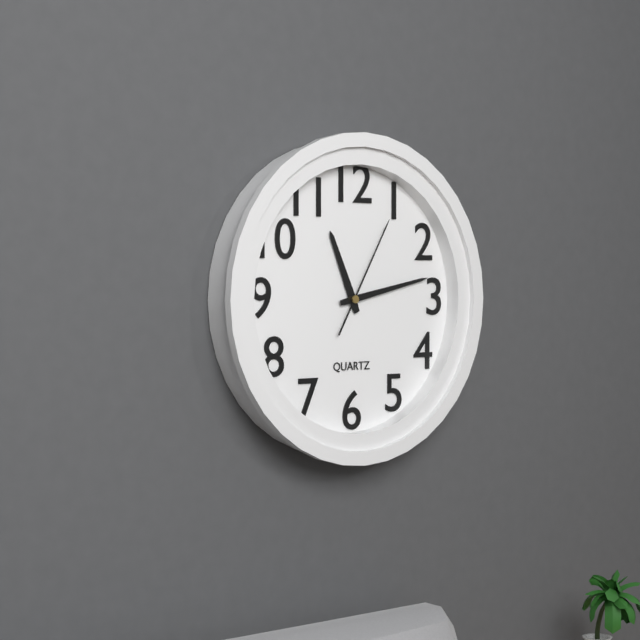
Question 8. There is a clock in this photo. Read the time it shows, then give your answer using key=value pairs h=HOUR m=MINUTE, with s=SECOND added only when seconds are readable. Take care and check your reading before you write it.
h=11 m=13 s=5
